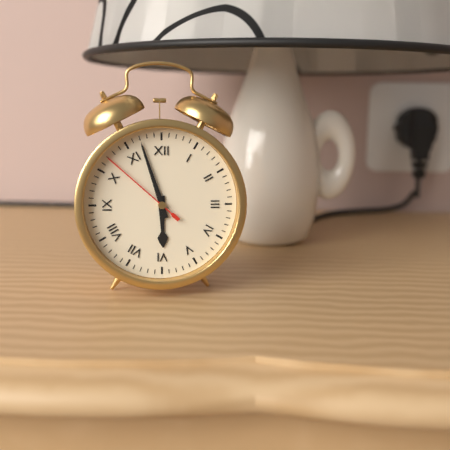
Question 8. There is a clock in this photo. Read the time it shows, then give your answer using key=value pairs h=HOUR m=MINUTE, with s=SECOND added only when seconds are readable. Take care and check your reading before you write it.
h=5 m=57 s=52
